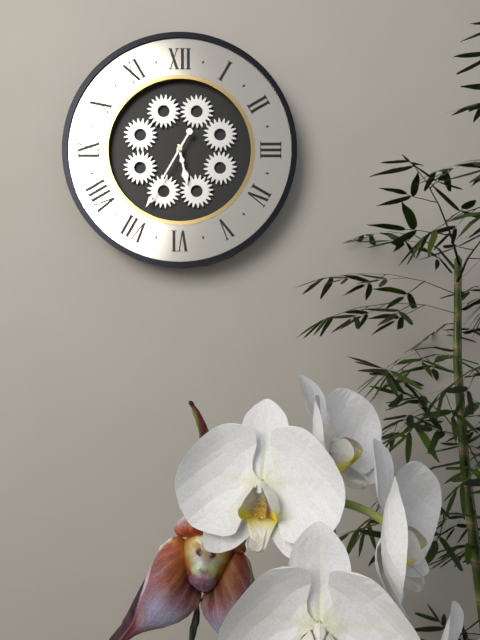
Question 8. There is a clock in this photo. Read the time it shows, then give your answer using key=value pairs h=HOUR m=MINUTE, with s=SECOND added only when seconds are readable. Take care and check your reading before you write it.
h=5 m=35
